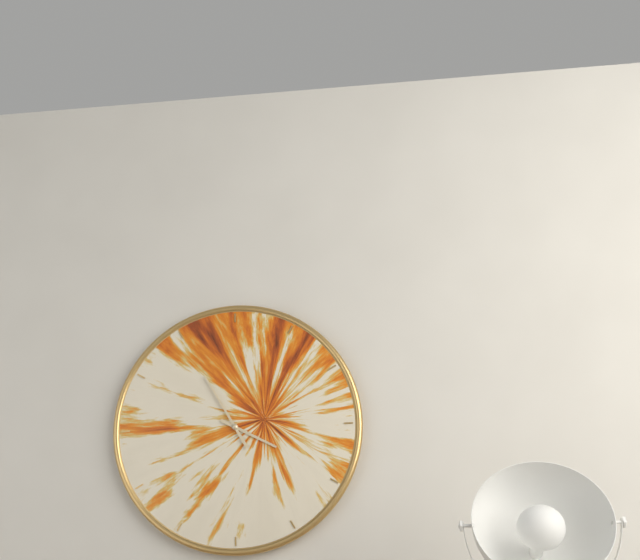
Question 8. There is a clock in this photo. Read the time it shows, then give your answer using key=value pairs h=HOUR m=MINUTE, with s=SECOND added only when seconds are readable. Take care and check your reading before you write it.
h=3 m=55
